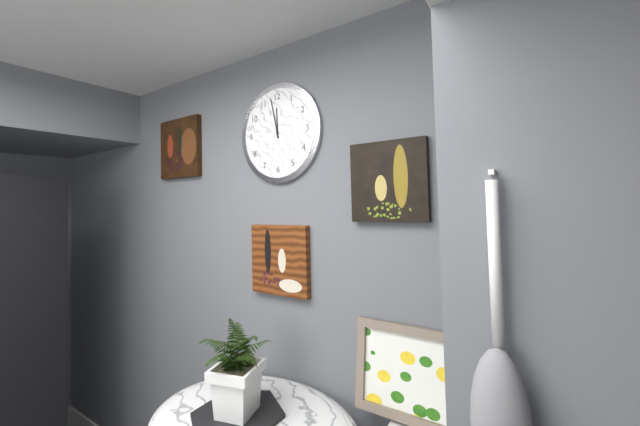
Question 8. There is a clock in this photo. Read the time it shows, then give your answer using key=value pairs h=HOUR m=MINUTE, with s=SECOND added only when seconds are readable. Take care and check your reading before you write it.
h=11 m=58
